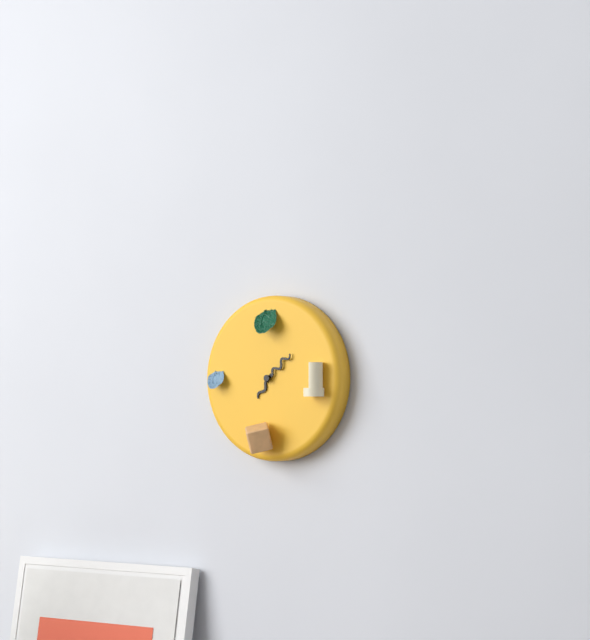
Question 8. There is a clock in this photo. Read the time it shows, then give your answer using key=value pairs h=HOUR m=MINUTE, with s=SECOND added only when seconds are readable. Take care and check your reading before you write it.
h=7 m=8
